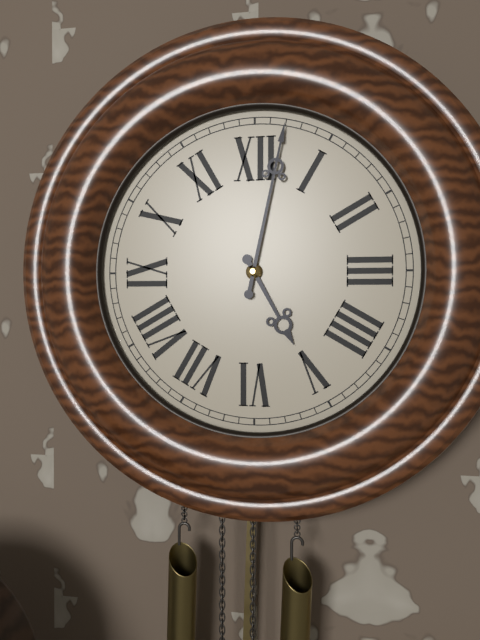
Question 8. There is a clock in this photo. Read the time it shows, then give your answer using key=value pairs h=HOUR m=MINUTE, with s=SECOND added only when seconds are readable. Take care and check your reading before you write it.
h=5 m=2
